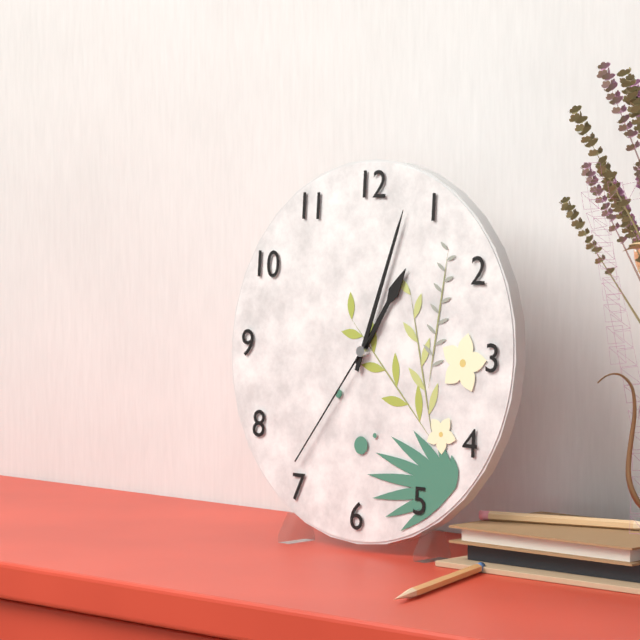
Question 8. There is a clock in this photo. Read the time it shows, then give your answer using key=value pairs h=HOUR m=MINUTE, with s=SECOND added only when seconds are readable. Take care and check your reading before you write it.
h=1 m=3 s=36
